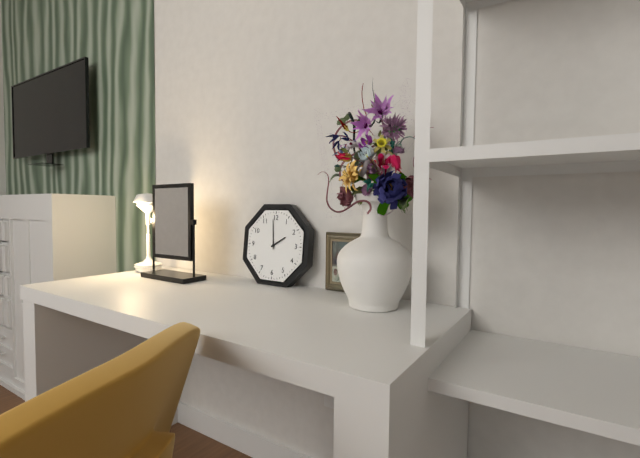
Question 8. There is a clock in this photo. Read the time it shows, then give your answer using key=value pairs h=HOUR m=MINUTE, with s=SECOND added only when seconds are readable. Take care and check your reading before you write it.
h=1 m=59
